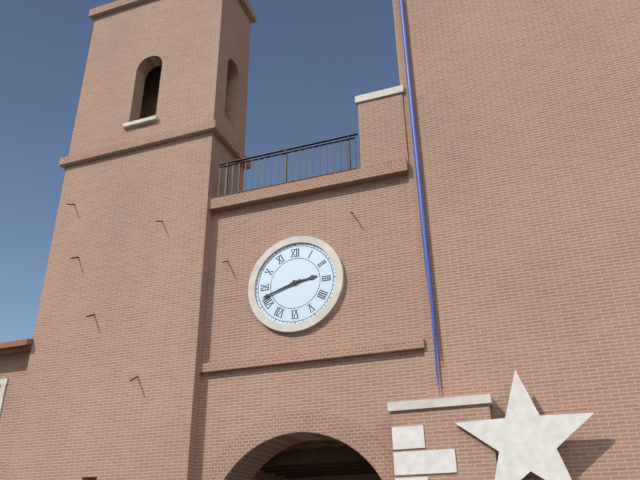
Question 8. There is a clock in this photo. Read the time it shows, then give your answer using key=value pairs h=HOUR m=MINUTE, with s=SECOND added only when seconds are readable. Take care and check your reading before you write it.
h=2 m=42
